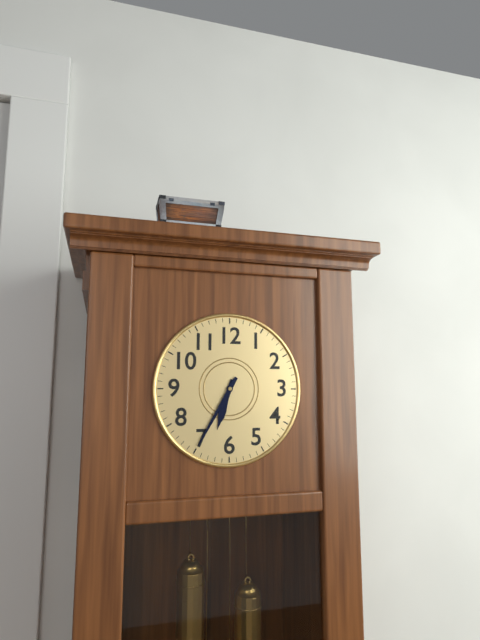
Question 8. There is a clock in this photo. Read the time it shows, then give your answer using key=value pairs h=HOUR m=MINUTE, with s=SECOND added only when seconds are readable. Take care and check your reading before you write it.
h=6 m=35
